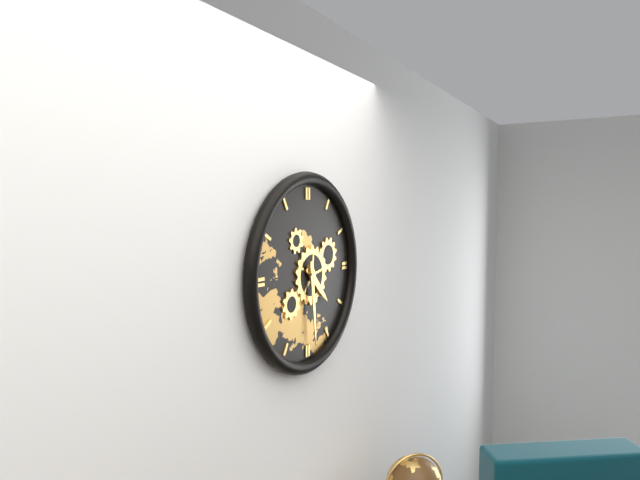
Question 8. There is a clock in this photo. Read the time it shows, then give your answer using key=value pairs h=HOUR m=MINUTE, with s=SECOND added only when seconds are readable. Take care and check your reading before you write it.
h=4 m=29
